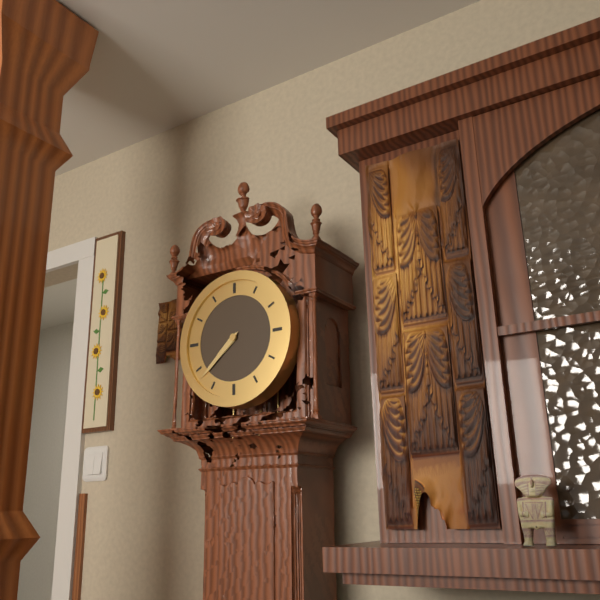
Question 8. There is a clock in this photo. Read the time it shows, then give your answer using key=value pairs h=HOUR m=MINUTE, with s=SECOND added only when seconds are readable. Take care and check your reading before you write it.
h=7 m=38
